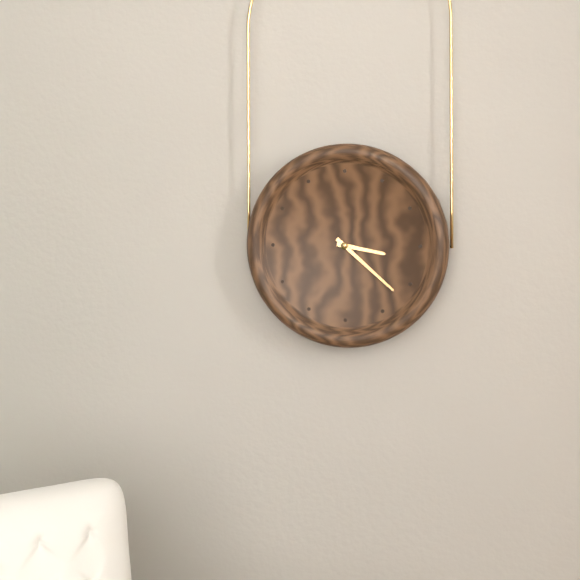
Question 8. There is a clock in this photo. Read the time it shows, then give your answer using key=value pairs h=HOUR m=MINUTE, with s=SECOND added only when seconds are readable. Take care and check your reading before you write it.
h=3 m=22
